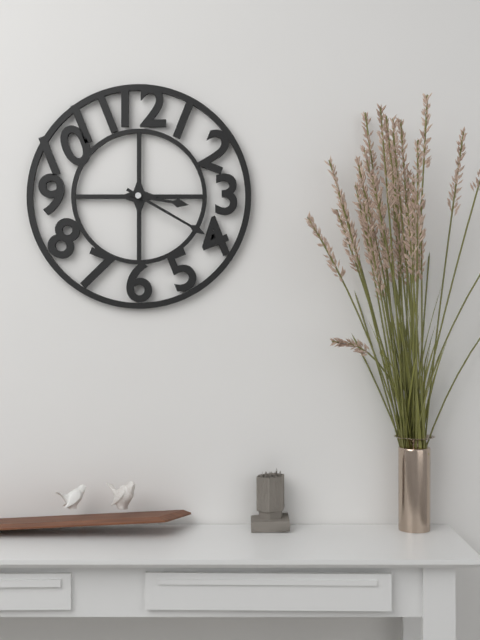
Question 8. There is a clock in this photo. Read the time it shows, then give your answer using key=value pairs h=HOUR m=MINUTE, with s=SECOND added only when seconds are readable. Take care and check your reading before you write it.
h=3 m=20
